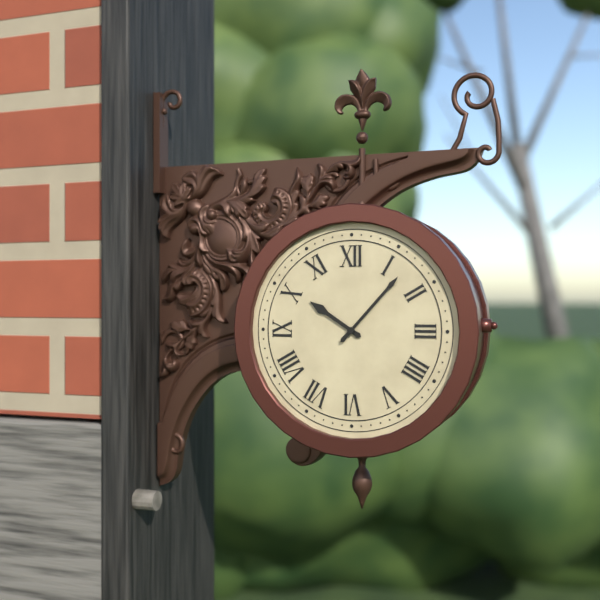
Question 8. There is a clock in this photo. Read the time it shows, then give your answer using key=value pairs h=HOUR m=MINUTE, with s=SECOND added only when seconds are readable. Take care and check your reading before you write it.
h=10 m=7
